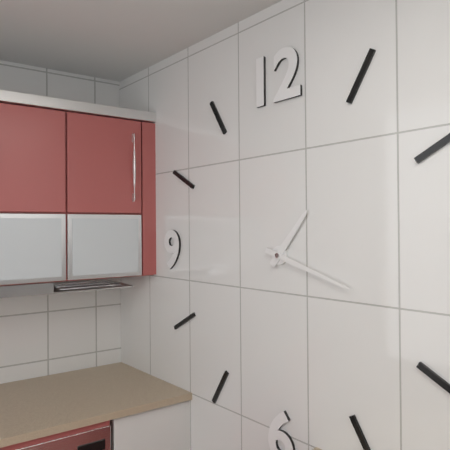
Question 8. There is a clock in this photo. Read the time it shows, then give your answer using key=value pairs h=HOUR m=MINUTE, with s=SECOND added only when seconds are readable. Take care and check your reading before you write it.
h=1 m=18
